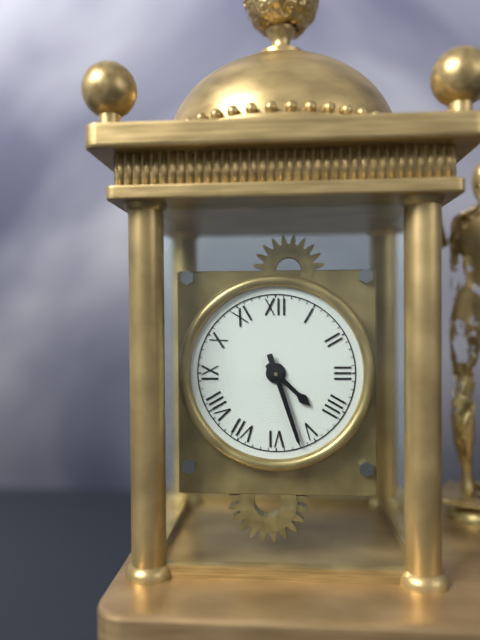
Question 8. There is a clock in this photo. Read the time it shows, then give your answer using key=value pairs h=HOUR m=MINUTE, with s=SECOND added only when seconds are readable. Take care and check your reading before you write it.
h=4 m=27
